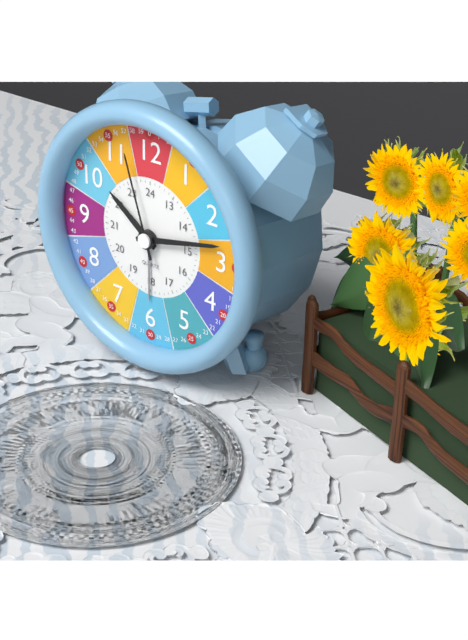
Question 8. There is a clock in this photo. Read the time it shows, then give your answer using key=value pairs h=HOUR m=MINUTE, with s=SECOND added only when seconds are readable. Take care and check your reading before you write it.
h=10 m=13 s=57
